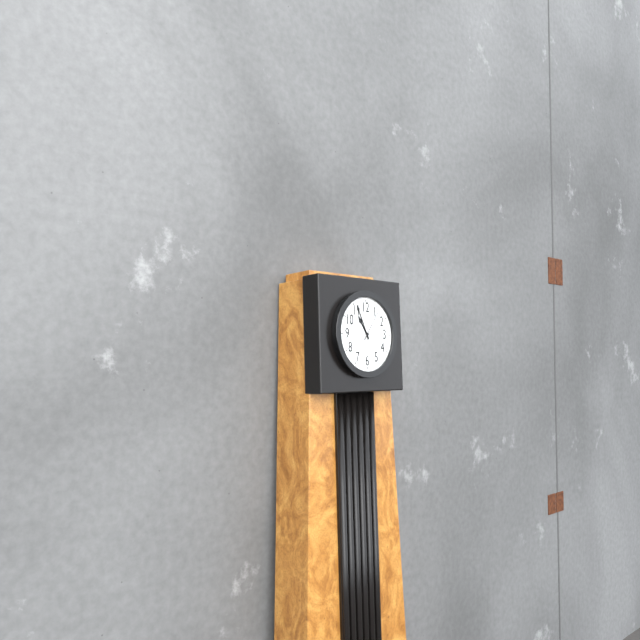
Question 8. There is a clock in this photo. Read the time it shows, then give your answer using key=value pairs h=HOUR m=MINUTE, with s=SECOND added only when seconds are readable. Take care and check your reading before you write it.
h=10 m=56
